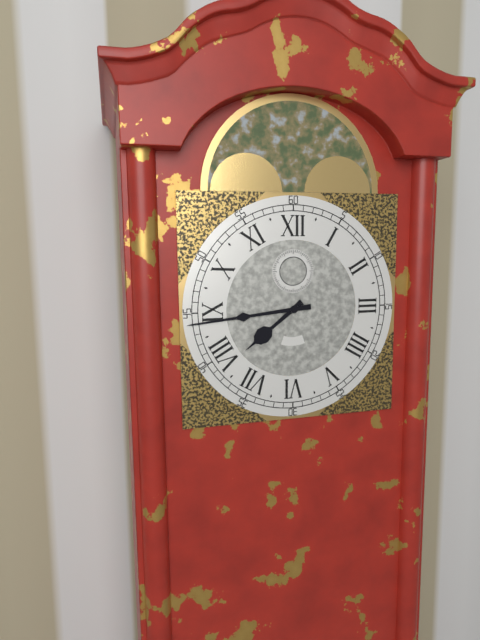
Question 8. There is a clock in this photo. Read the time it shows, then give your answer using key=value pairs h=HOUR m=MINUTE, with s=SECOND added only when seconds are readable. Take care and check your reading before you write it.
h=7 m=44
